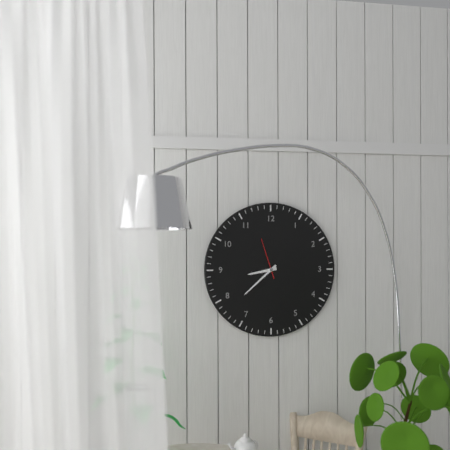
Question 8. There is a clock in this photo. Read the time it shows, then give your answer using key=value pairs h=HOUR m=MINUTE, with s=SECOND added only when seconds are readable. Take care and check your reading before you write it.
h=8 m=38
